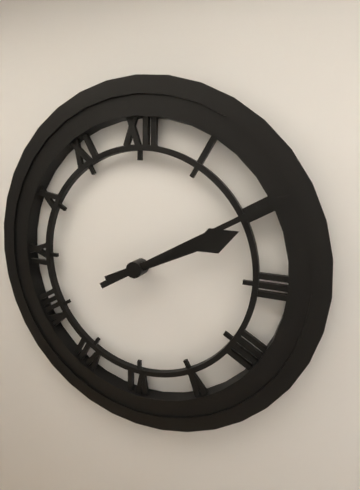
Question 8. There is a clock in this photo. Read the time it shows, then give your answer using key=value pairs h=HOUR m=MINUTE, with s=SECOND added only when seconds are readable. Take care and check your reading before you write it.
h=2 m=10
